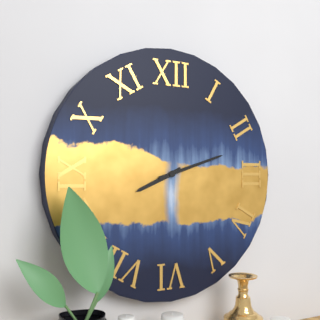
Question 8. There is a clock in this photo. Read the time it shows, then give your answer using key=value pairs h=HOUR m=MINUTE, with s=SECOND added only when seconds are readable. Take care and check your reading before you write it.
h=8 m=12
